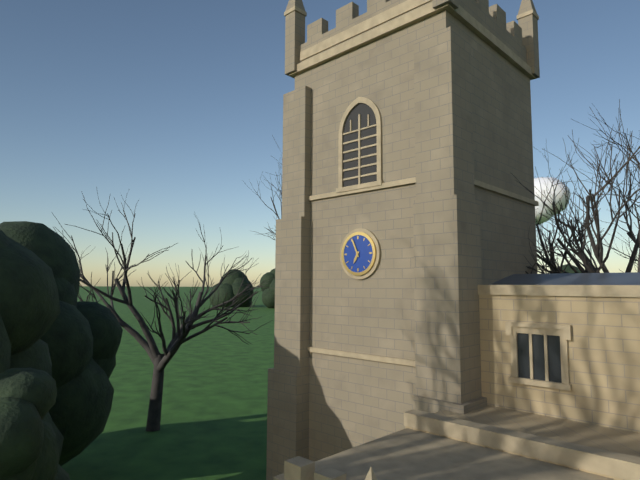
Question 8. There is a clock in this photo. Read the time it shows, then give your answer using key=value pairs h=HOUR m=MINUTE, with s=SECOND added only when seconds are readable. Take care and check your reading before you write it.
h=6 m=56
